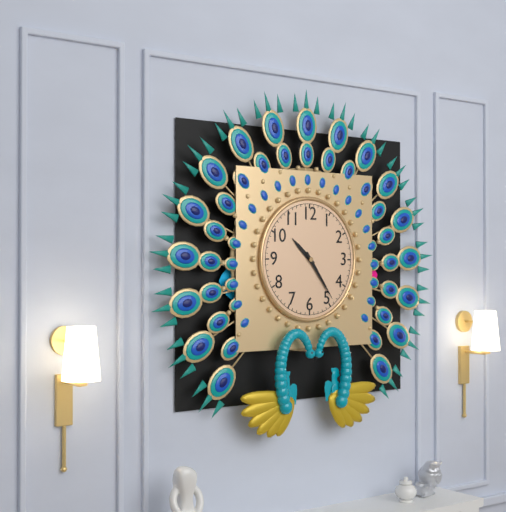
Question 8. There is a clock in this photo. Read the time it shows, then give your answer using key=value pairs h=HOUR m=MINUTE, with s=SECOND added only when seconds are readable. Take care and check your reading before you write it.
h=10 m=24
